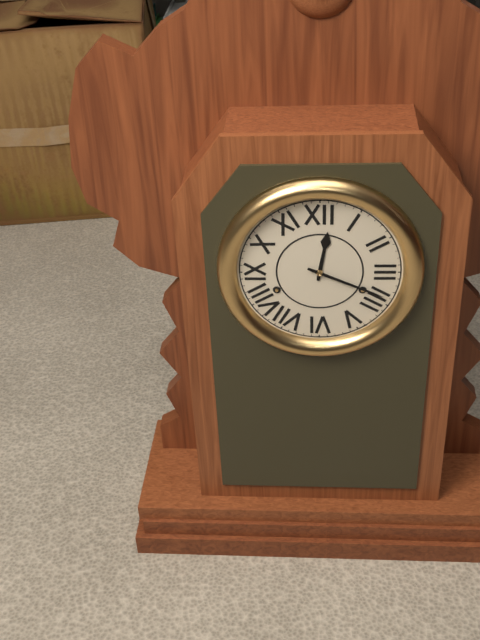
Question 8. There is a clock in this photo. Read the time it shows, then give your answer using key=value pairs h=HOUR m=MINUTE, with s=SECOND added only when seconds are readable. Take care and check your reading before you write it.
h=12 m=19
